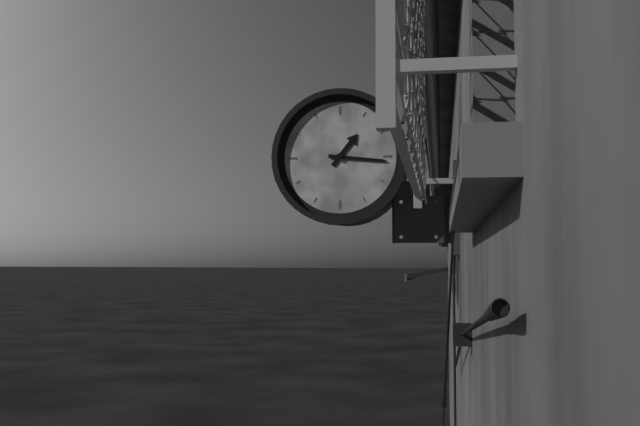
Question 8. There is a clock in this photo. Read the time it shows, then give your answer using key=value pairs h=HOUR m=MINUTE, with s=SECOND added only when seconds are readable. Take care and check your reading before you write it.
h=1 m=16
